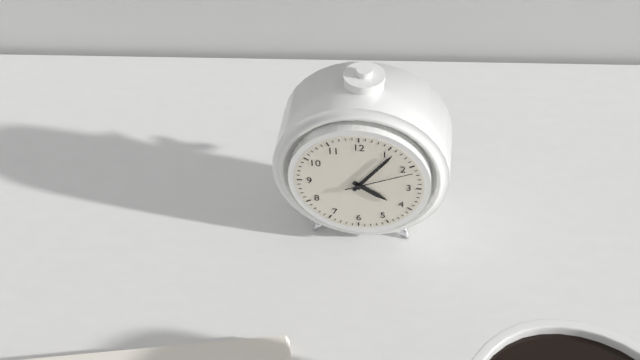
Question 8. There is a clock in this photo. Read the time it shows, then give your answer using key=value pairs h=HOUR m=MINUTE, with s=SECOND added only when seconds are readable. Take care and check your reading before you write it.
h=4 m=6 s=11
